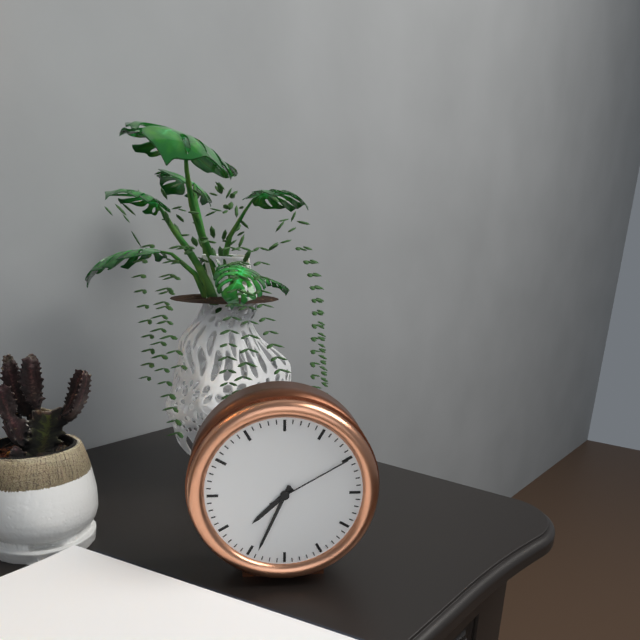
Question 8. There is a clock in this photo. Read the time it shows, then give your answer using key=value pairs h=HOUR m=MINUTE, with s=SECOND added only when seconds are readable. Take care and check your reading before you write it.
h=7 m=34 s=10
